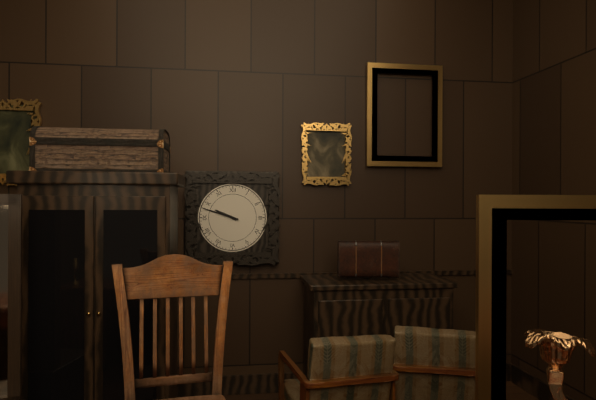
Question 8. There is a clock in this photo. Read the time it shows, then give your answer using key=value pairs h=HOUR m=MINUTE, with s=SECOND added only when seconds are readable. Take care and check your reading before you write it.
h=9 m=48
